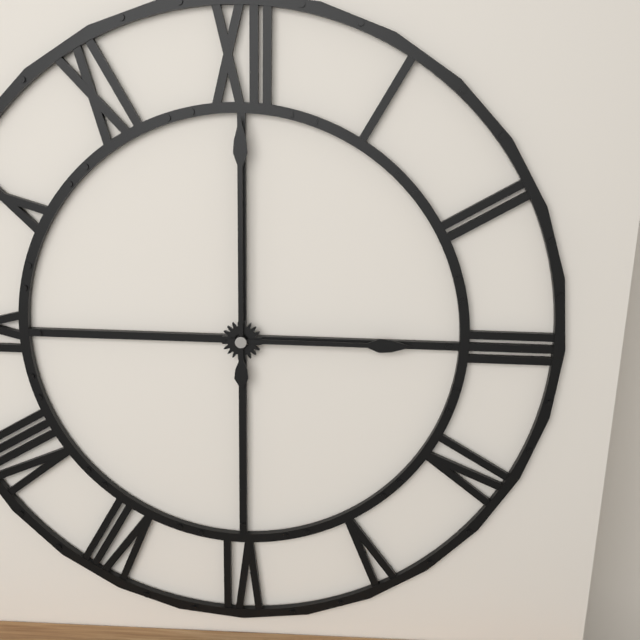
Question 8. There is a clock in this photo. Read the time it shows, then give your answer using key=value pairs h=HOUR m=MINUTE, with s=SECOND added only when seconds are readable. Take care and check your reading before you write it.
h=3 m=0
